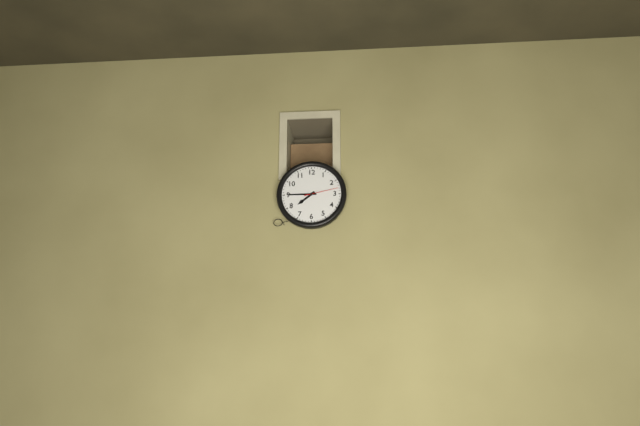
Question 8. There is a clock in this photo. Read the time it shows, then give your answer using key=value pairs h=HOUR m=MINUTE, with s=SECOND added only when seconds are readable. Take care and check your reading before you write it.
h=7 m=45
